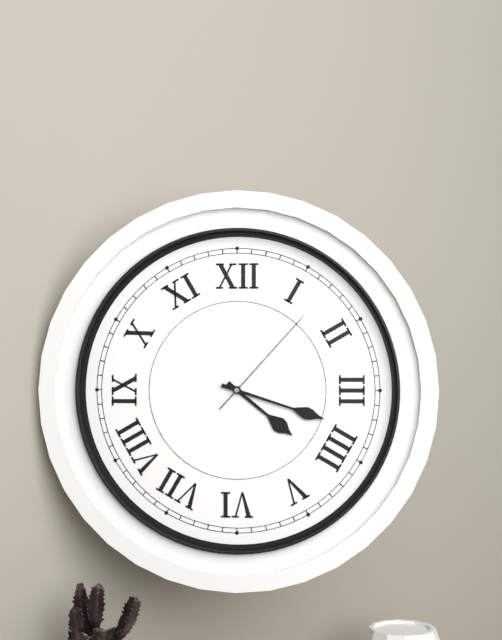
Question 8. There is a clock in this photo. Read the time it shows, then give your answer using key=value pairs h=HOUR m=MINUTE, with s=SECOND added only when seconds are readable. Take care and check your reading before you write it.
h=4 m=18 s=7
